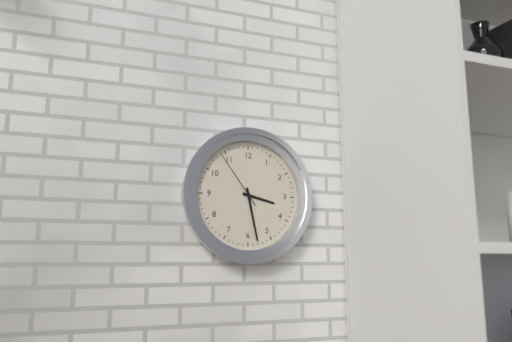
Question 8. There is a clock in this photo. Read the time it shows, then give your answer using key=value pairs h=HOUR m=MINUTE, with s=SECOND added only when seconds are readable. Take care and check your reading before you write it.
h=3 m=28 s=54
